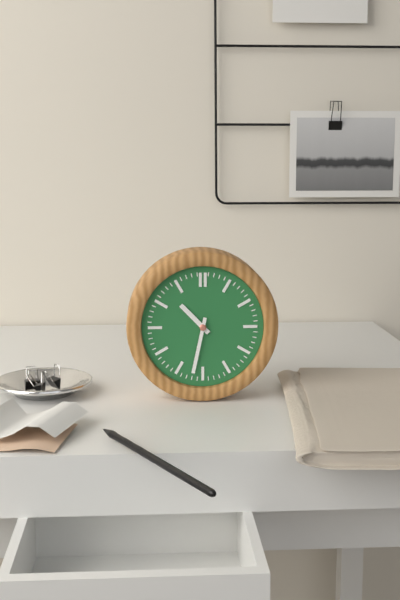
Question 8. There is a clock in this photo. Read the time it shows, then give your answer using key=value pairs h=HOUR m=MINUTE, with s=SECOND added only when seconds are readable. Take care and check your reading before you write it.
h=10 m=32
